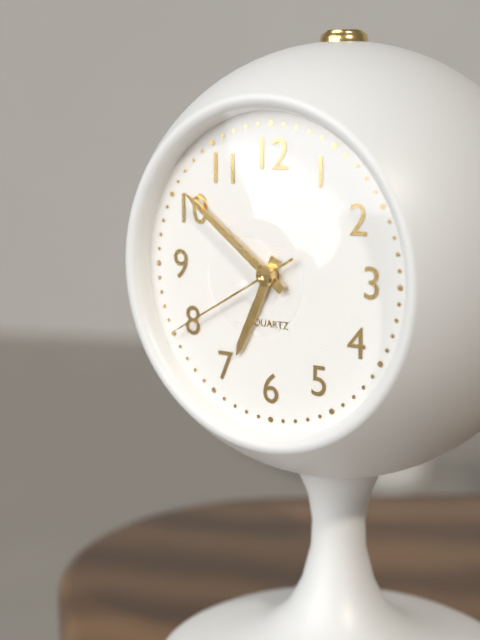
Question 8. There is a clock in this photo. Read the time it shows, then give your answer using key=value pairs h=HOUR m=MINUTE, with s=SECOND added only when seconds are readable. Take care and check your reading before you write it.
h=6 m=51 s=40
